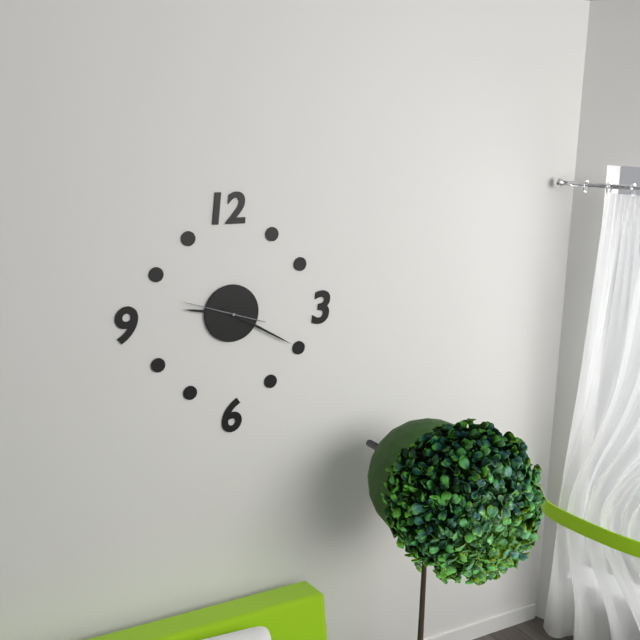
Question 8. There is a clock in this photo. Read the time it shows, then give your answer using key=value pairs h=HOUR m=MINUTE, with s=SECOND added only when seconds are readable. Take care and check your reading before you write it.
h=9 m=20 s=48
